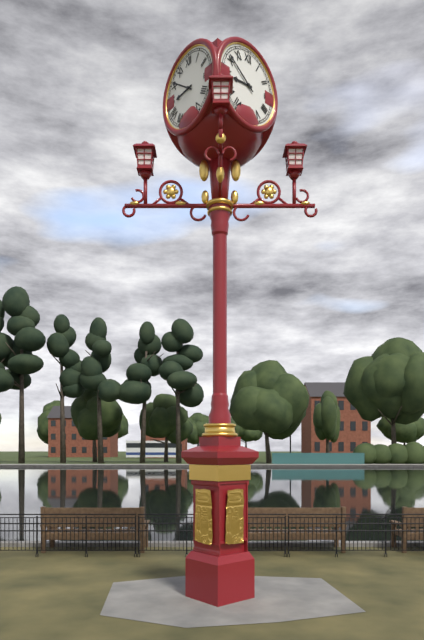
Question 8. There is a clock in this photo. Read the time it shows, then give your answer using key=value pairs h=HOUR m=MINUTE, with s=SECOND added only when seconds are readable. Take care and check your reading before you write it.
h=8 m=51
